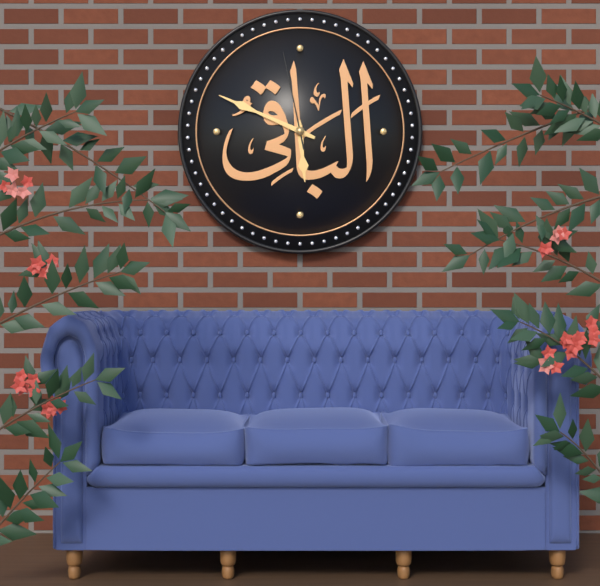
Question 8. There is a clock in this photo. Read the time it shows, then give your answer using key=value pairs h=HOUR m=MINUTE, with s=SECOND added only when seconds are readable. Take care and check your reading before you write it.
h=5 m=49 s=58
